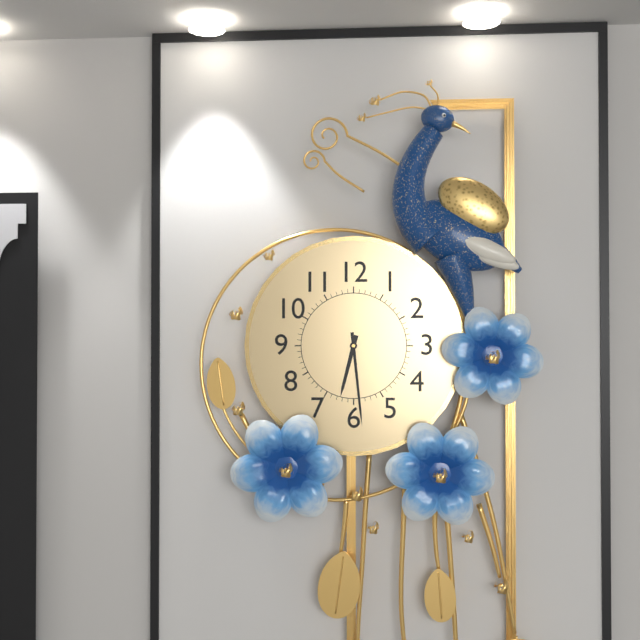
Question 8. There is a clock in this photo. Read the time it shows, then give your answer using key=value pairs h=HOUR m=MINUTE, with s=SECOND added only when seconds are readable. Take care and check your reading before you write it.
h=6 m=29
